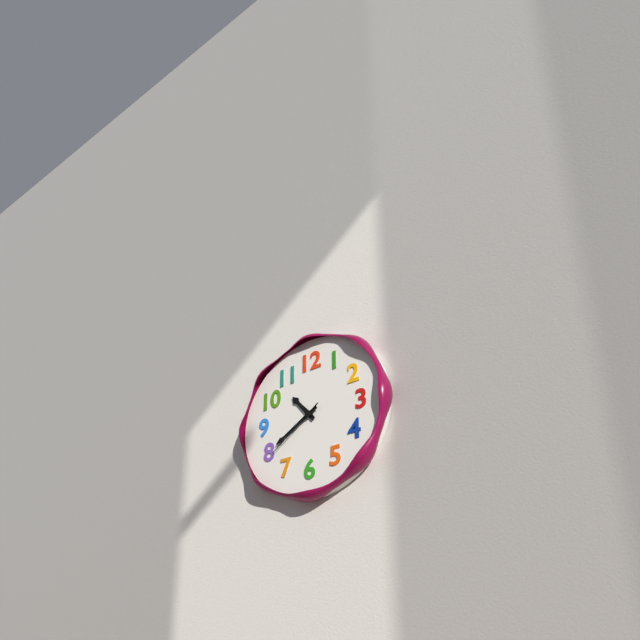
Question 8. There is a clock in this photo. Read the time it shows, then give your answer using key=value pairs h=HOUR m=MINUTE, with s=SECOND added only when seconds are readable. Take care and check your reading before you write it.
h=10 m=40 s=39
